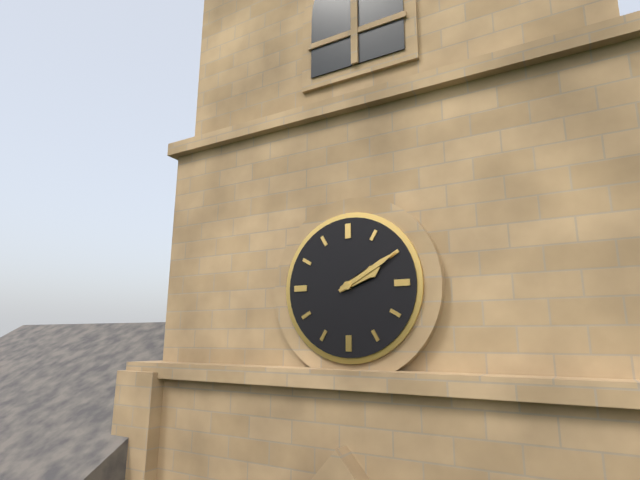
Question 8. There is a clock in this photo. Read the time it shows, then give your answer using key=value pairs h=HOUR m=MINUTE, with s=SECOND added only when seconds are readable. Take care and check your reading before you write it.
h=2 m=10
